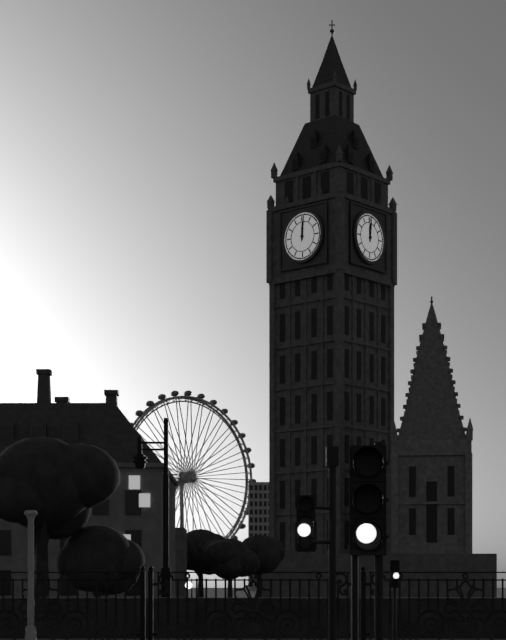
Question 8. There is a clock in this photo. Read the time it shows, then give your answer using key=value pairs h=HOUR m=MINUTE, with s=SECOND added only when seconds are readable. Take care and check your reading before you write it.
h=12 m=1
